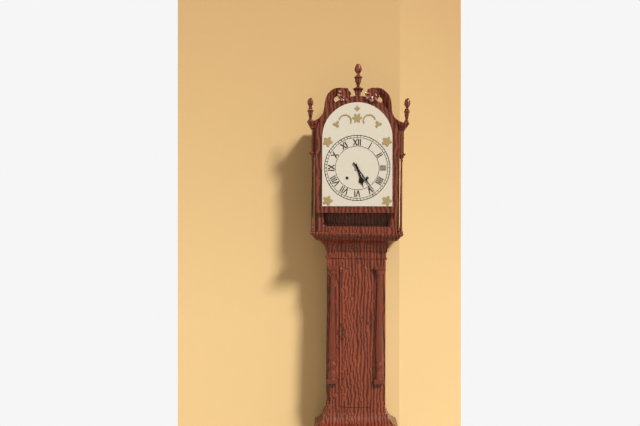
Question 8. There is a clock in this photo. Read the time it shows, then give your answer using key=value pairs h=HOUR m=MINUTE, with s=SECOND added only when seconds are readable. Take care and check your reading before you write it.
h=5 m=24
